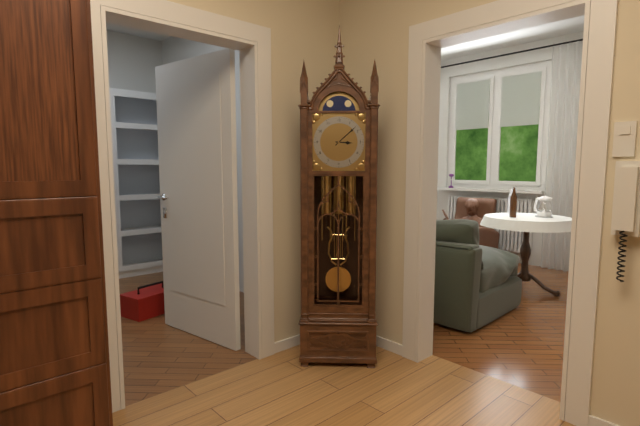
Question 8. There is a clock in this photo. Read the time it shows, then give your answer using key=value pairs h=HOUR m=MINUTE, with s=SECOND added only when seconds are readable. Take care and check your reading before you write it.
h=3 m=8
